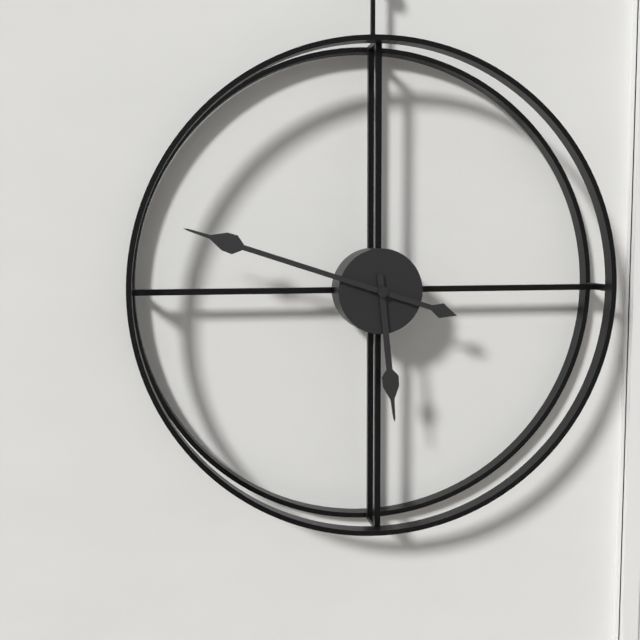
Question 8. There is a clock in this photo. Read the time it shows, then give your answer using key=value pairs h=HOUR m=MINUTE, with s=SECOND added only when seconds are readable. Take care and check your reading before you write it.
h=5 m=48
